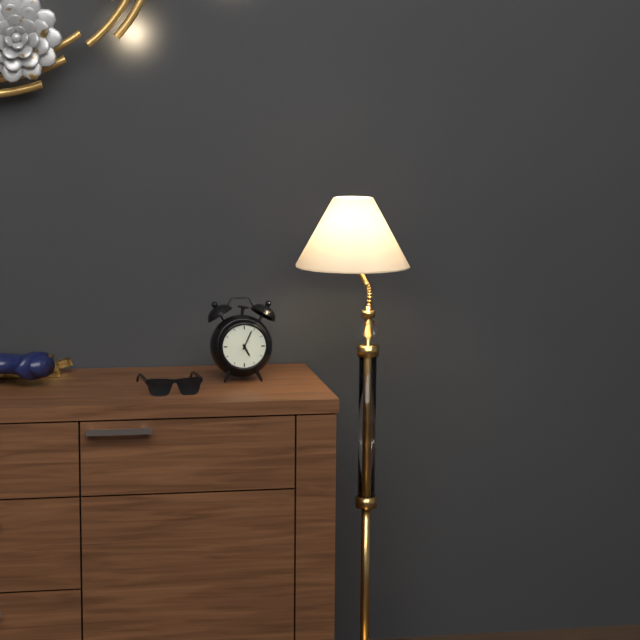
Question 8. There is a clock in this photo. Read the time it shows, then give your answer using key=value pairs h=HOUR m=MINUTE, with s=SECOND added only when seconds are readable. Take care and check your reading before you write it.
h=5 m=4
